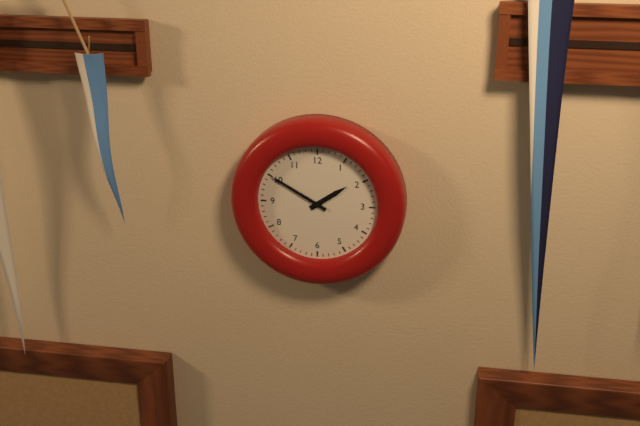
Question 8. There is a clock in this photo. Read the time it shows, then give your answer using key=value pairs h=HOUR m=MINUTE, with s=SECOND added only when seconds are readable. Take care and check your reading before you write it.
h=1 m=50
